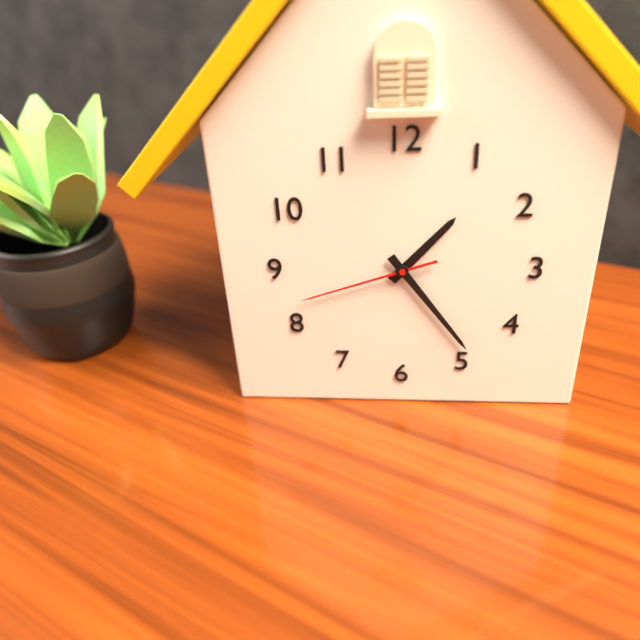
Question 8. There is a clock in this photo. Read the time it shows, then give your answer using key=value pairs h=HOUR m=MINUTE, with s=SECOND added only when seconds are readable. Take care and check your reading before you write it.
h=1 m=24 s=42
